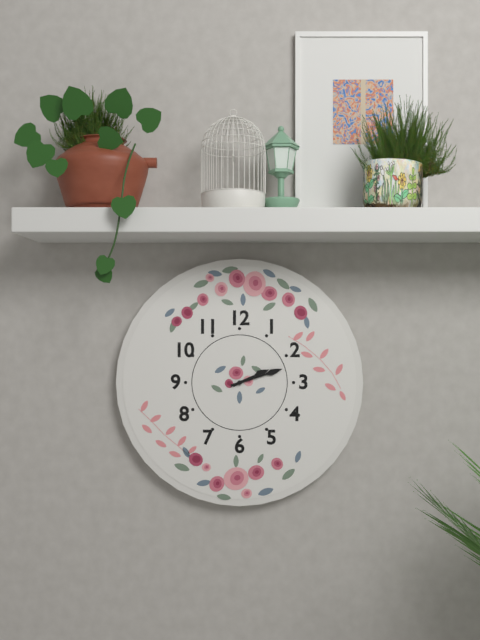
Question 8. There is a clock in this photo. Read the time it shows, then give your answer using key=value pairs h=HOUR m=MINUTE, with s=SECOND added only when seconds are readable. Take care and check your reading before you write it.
h=2 m=12
